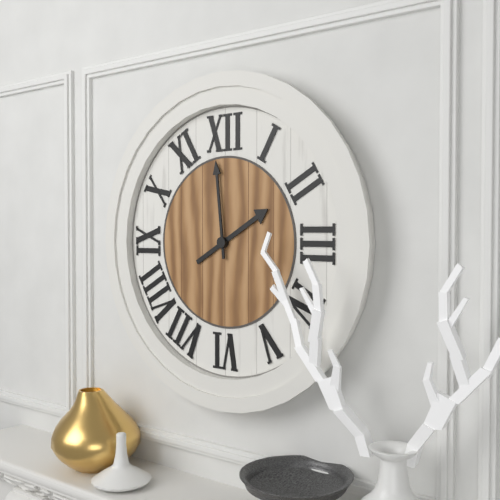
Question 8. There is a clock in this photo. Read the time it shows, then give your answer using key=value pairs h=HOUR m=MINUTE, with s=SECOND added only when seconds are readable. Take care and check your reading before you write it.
h=1 m=59
